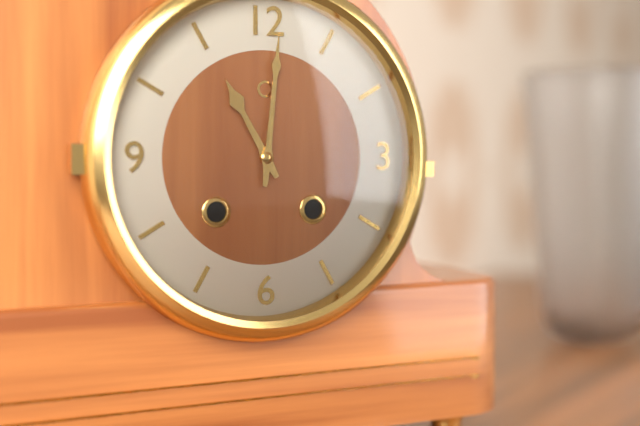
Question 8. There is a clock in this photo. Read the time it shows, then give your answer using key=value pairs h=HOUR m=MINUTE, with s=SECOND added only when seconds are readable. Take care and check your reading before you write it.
h=11 m=1
